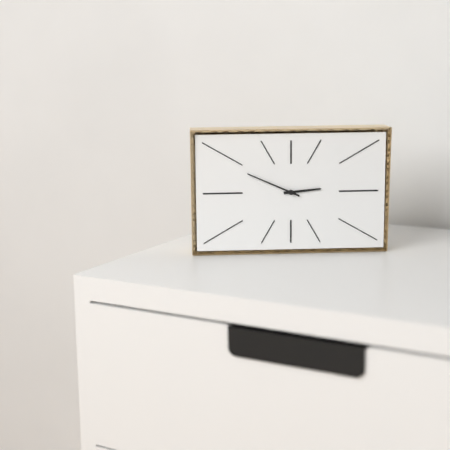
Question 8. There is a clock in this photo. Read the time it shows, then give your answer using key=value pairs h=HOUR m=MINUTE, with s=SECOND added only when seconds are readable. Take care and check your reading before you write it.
h=2 m=49
